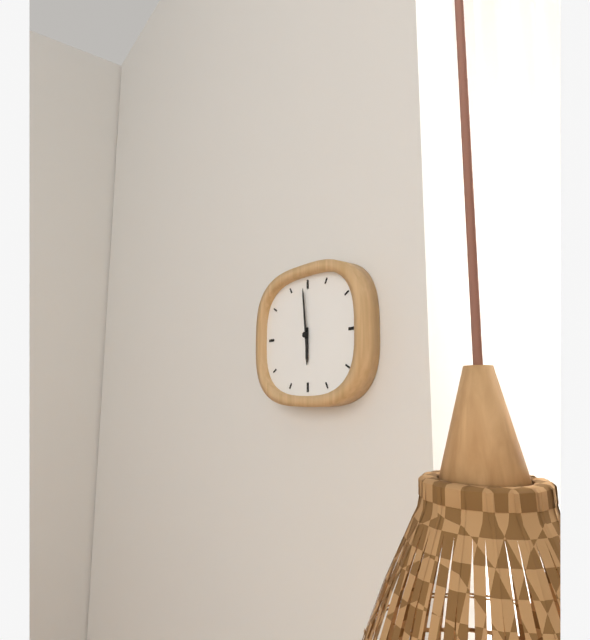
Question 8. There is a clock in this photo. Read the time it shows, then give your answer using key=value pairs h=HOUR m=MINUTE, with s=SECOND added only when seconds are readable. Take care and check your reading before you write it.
h=5 m=59
